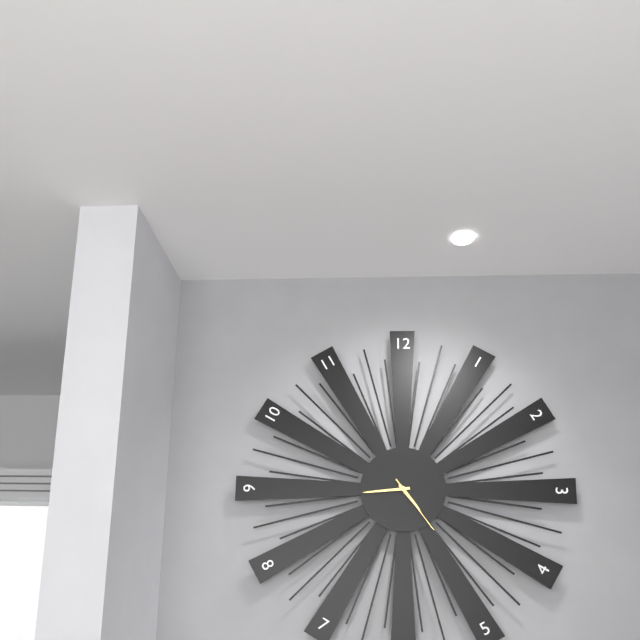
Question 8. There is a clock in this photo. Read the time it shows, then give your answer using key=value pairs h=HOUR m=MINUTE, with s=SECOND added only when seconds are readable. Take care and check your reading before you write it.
h=4 m=44 s=24
